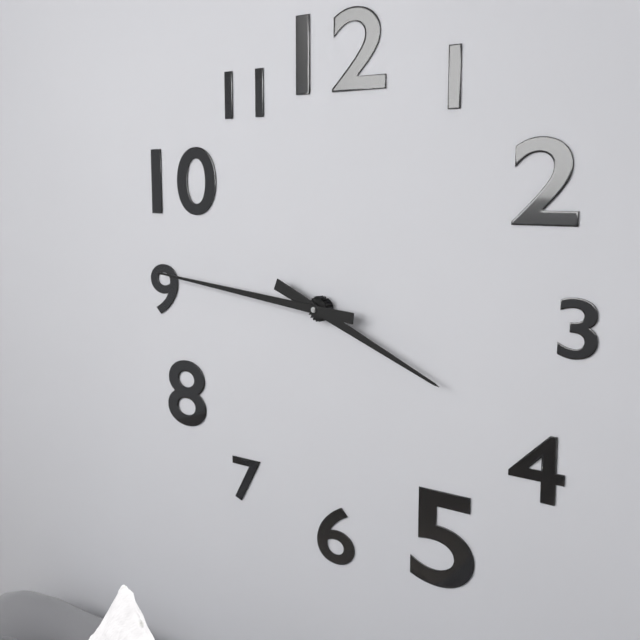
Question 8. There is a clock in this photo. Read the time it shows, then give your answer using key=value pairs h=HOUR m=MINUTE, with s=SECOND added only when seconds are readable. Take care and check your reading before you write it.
h=3 m=46
